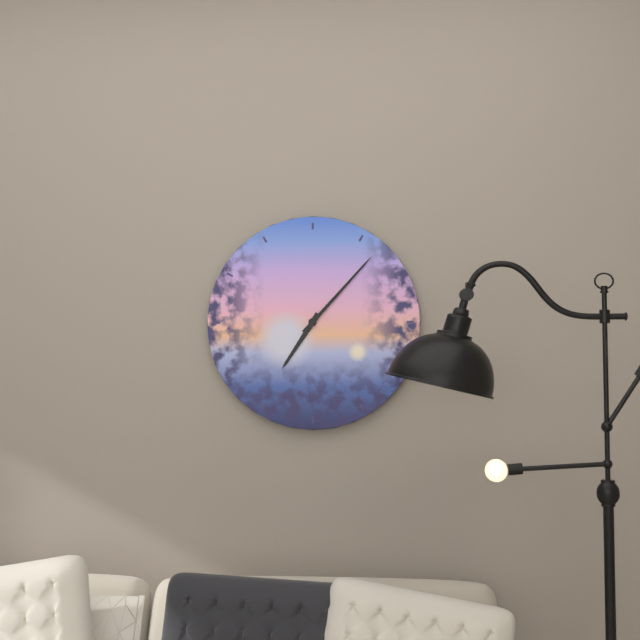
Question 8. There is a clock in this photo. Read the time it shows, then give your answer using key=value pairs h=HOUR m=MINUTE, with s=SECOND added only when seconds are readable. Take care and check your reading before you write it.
h=7 m=7
